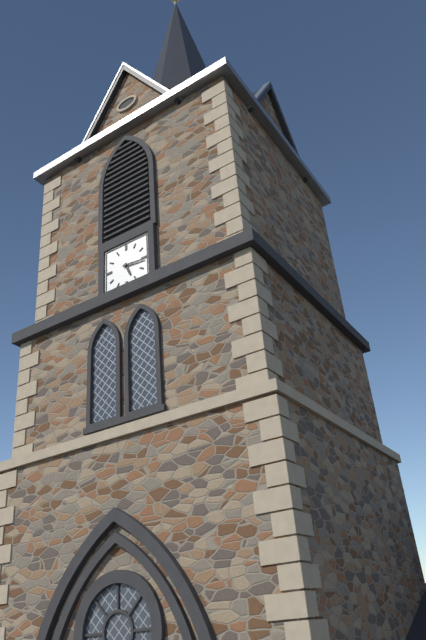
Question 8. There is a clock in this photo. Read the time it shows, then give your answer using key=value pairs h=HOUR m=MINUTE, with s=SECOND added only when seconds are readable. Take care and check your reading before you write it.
h=5 m=16
